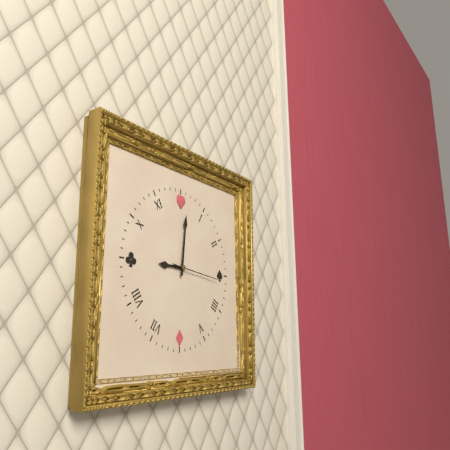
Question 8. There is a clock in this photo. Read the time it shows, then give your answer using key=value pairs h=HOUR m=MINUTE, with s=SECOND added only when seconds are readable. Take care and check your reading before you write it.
h=9 m=1
